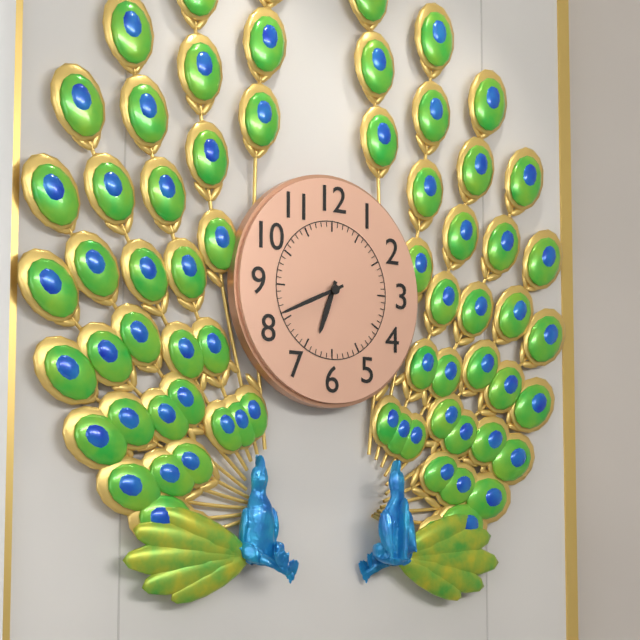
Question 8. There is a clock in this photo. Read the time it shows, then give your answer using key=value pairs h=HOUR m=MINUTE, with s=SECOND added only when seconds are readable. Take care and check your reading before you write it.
h=6 m=41
